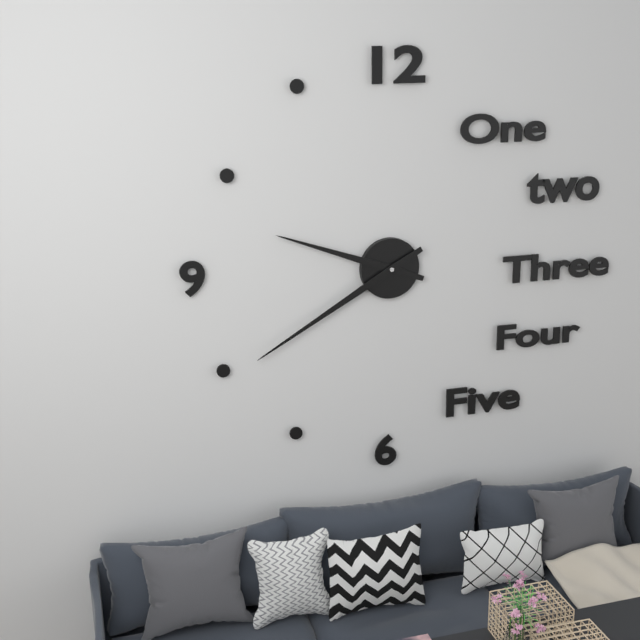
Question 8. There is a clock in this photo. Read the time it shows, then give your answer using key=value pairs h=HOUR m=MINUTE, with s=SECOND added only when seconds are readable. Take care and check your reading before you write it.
h=9 m=40
